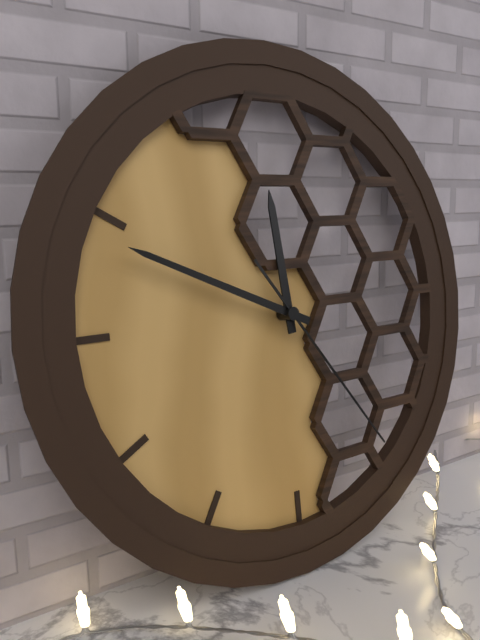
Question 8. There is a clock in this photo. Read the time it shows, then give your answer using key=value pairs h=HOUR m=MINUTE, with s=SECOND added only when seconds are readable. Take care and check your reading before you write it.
h=11 m=49 s=24
